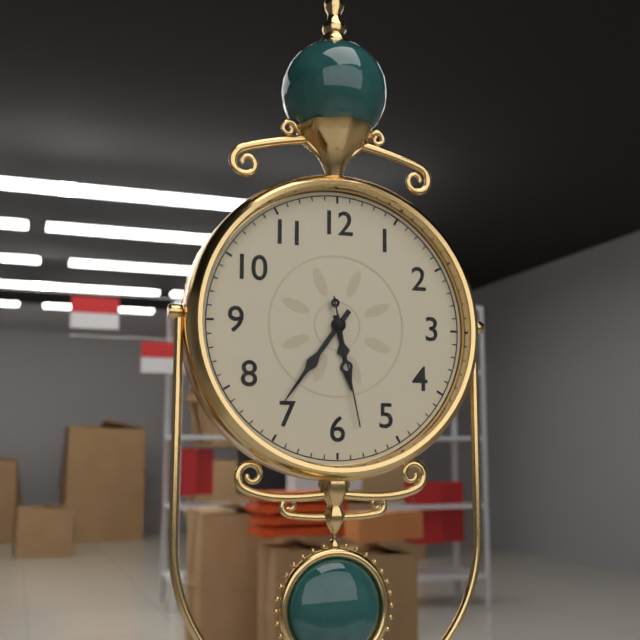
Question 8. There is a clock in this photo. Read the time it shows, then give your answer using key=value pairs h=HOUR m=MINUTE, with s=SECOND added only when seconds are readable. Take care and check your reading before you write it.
h=5 m=36 s=28
